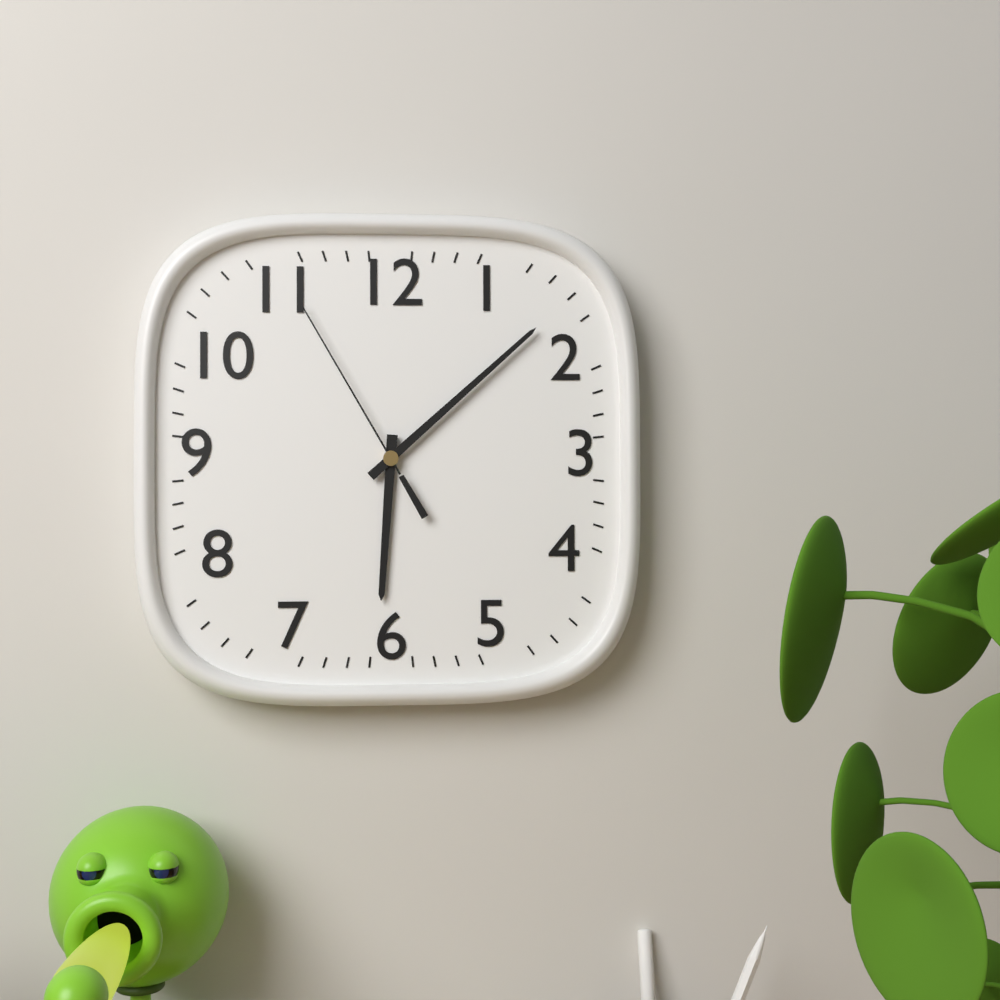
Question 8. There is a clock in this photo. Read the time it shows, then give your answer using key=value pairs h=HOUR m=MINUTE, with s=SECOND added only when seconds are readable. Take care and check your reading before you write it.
h=6 m=8 s=55
